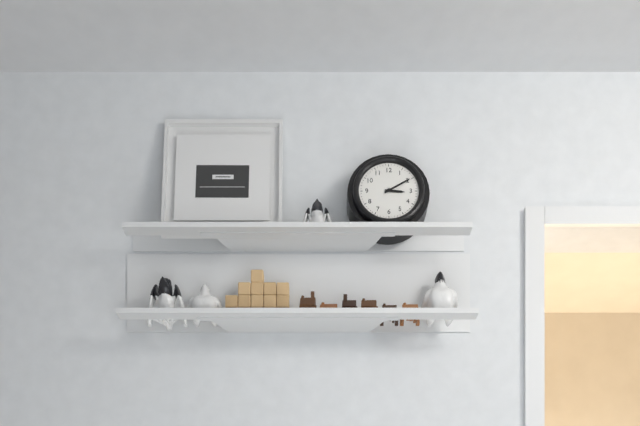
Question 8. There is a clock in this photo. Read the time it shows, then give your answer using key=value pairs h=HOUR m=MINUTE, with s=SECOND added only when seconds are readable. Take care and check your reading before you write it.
h=3 m=10
